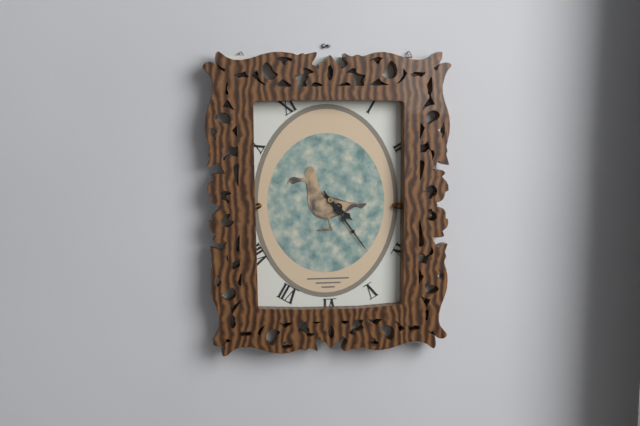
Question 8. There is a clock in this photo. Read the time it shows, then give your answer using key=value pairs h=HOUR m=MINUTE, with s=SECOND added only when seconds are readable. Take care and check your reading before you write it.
h=4 m=24
